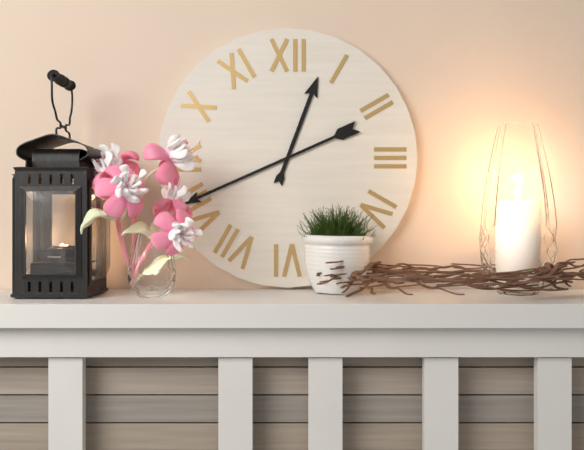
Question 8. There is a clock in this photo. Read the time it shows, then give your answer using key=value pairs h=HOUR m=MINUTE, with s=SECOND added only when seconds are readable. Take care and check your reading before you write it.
h=12 m=41
